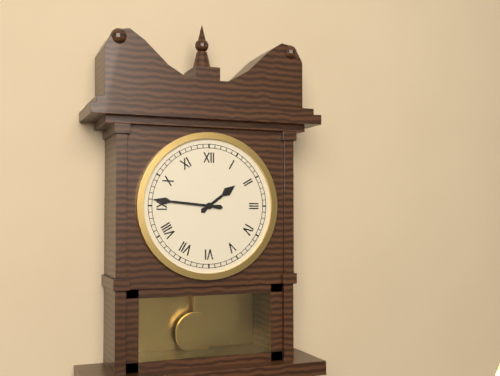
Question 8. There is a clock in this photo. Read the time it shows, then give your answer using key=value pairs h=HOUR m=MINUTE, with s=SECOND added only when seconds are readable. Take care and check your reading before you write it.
h=1 m=46
